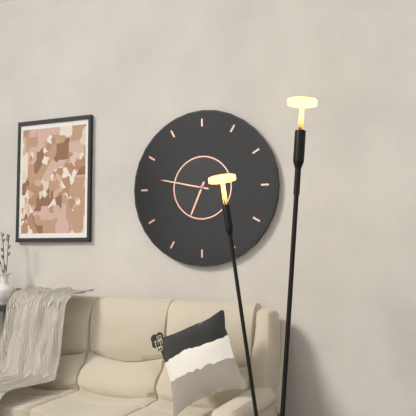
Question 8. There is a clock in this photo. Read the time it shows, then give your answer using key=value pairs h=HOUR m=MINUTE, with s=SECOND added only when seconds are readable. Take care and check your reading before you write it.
h=6 m=47
